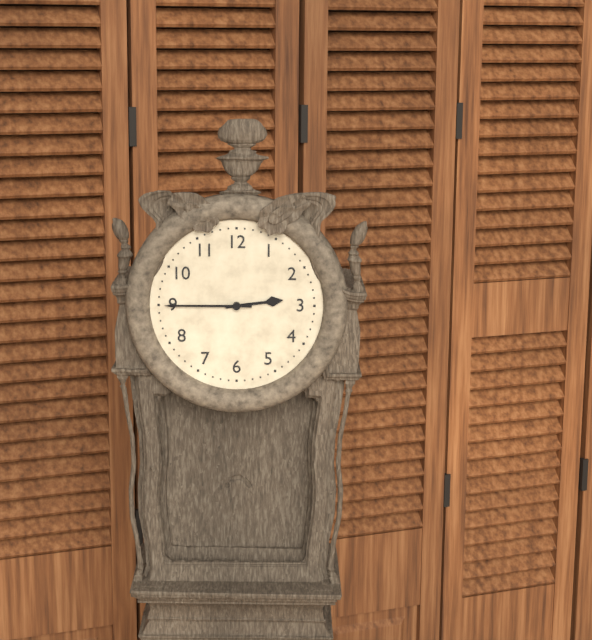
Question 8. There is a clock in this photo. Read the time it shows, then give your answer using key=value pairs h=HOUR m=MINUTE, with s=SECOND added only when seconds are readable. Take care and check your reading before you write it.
h=2 m=45
